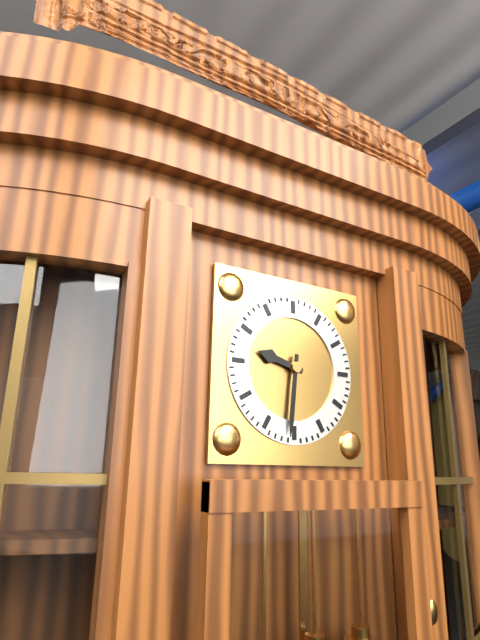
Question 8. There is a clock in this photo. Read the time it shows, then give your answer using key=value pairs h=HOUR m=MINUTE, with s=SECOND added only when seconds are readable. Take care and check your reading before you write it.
h=9 m=31
